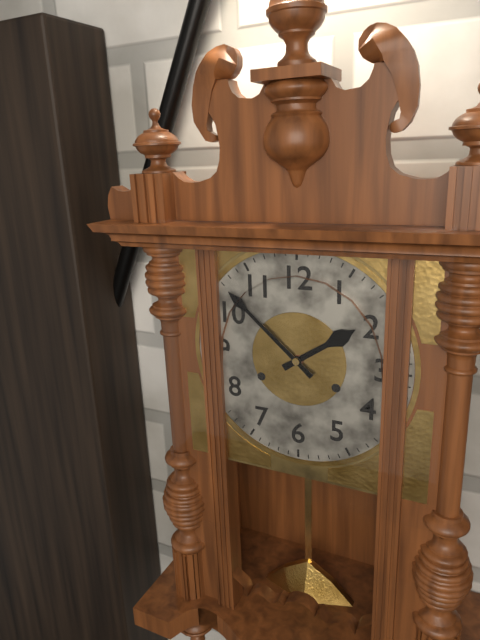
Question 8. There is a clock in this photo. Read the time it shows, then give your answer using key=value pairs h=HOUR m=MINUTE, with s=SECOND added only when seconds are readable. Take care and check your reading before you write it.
h=1 m=52
